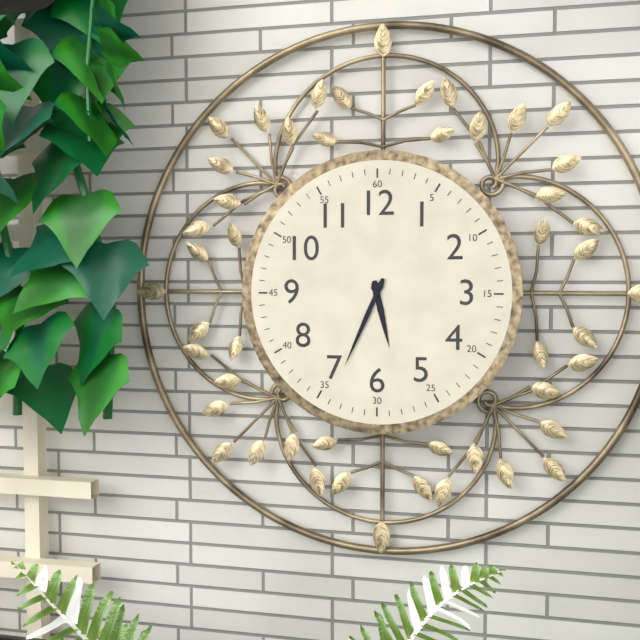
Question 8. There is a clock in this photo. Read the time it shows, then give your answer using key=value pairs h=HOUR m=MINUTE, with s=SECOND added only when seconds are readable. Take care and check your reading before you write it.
h=5 m=34
